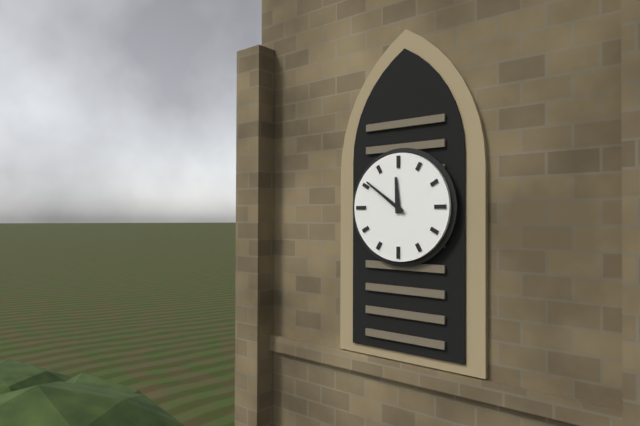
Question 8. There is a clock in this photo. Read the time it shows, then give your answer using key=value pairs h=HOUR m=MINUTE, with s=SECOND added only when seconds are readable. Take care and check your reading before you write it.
h=11 m=51
